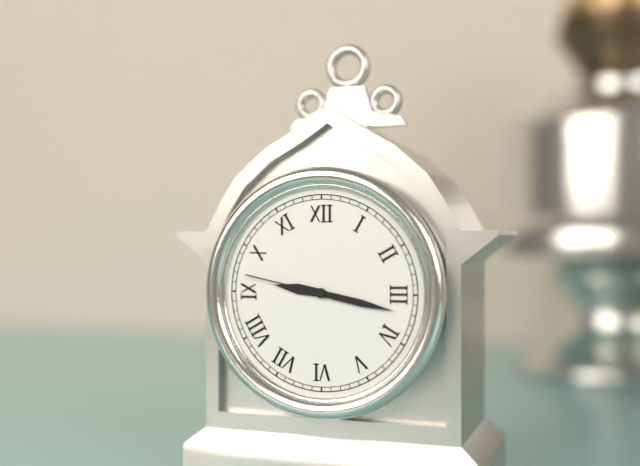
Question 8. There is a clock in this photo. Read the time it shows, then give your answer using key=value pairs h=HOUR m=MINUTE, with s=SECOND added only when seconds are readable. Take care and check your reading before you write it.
h=9 m=17 s=47
